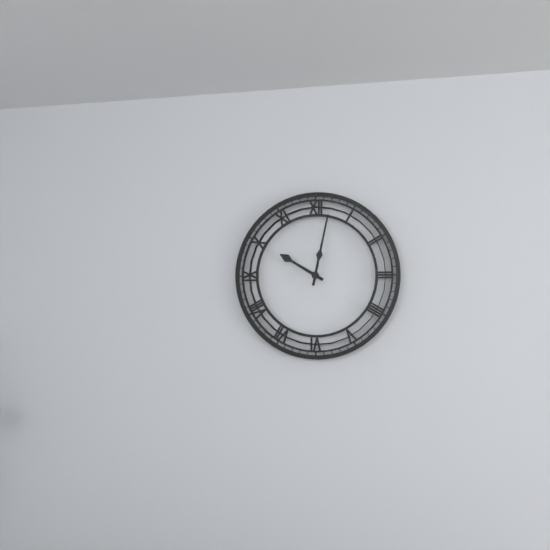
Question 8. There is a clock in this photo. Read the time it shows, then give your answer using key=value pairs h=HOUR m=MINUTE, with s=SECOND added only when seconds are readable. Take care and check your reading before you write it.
h=10 m=2
